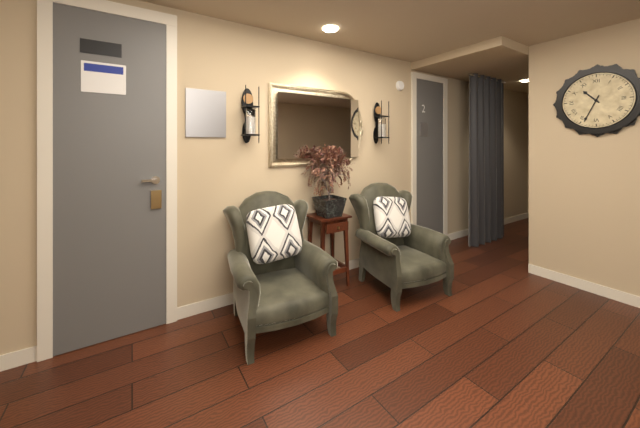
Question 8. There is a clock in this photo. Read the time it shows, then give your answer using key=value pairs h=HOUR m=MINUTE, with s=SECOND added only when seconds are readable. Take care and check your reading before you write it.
h=10 m=34
